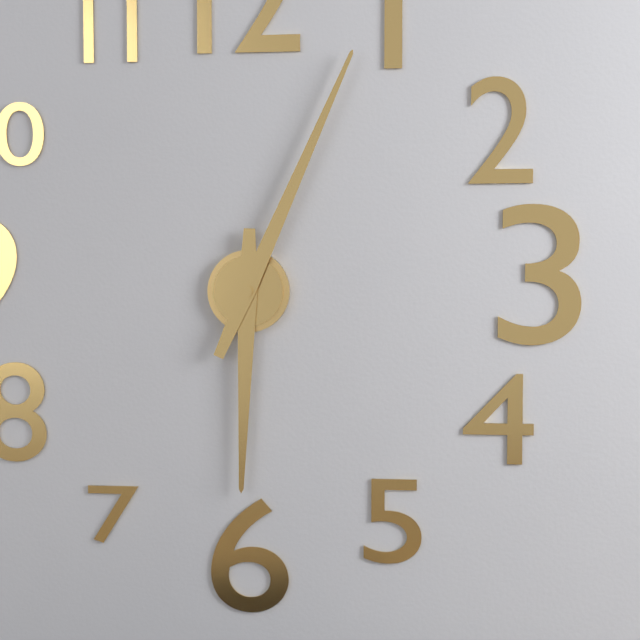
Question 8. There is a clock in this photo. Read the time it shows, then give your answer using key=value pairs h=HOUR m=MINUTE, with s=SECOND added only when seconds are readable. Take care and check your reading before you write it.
h=6 m=4
